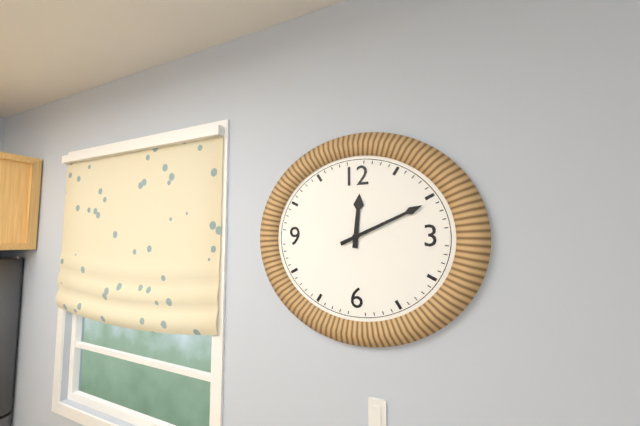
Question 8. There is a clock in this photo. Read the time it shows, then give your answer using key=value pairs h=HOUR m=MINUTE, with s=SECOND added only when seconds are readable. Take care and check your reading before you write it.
h=12 m=11
